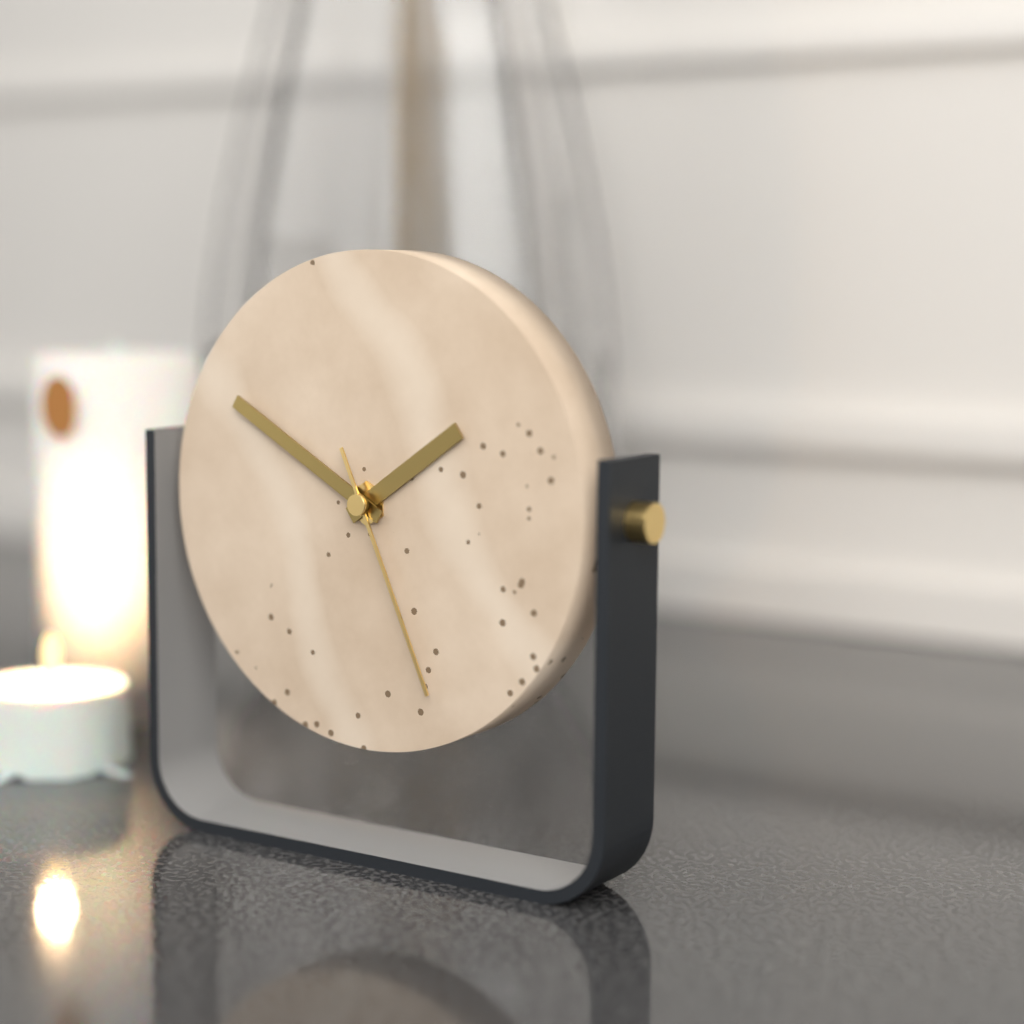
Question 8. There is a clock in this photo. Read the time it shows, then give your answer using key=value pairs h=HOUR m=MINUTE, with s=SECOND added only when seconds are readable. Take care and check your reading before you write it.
h=1 m=50 s=26
